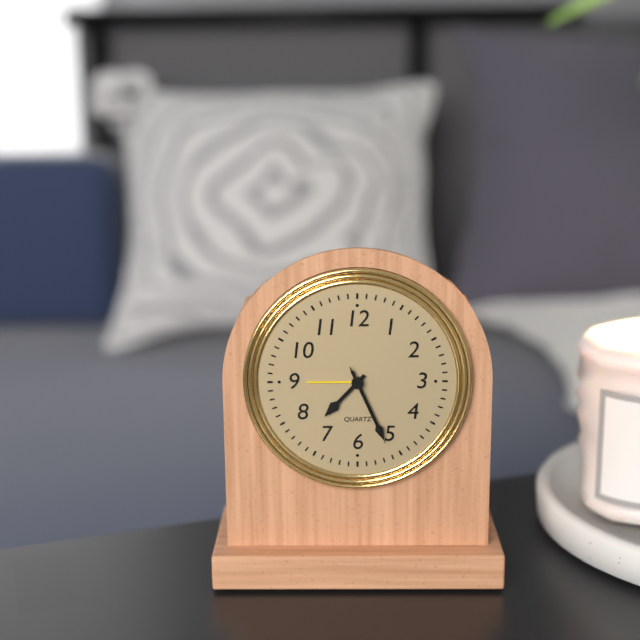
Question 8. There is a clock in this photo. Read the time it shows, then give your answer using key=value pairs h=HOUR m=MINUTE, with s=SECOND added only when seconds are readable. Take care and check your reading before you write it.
h=7 m=26 s=26
